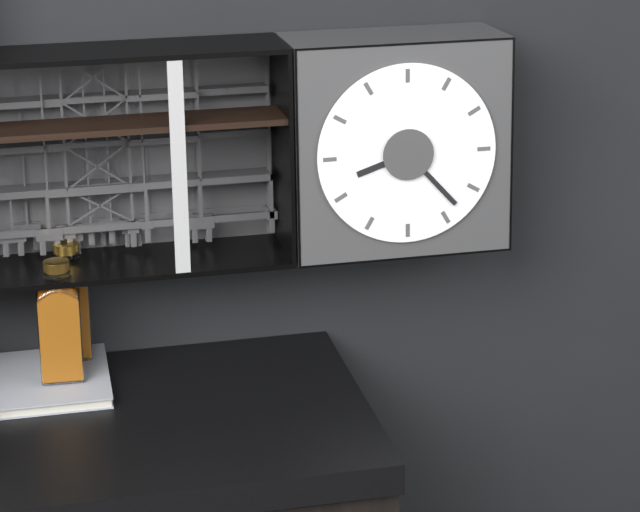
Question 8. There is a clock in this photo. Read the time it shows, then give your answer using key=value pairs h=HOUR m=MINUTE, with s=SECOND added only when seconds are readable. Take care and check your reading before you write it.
h=8 m=23
